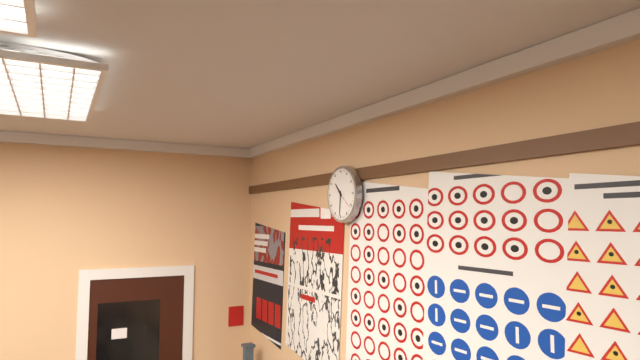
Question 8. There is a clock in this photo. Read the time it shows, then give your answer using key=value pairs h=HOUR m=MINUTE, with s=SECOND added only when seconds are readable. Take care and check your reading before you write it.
h=10 m=31
